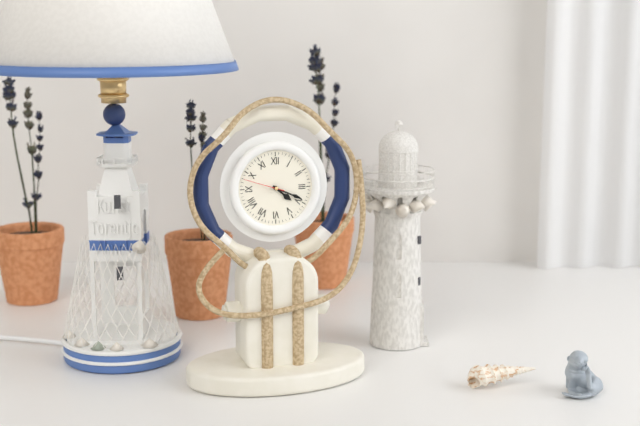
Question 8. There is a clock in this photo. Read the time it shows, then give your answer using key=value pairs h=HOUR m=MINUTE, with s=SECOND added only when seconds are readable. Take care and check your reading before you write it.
h=4 m=19
